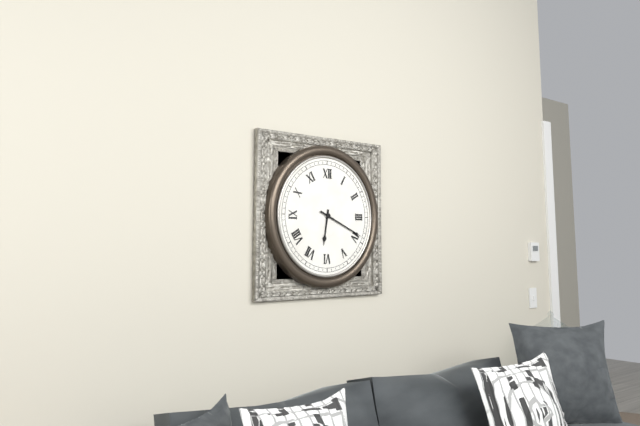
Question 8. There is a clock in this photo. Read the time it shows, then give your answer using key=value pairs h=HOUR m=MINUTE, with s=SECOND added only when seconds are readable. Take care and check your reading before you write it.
h=6 m=19
